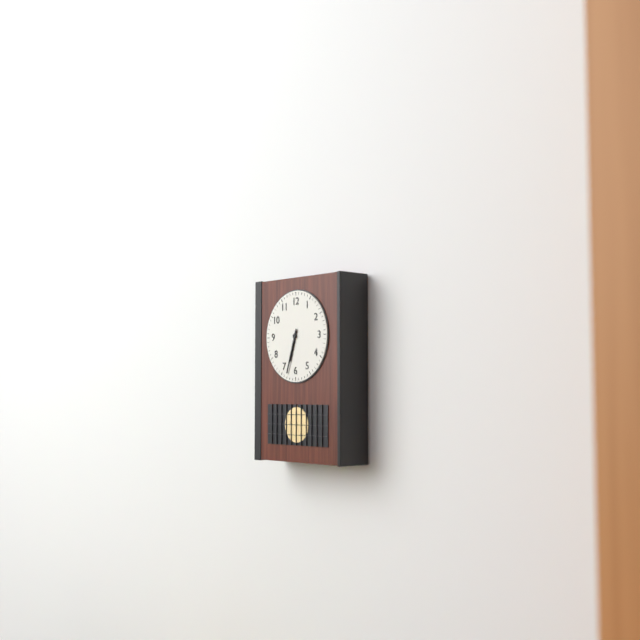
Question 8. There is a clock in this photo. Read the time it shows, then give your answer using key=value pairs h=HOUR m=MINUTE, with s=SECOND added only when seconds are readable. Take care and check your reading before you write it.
h=6 m=33
